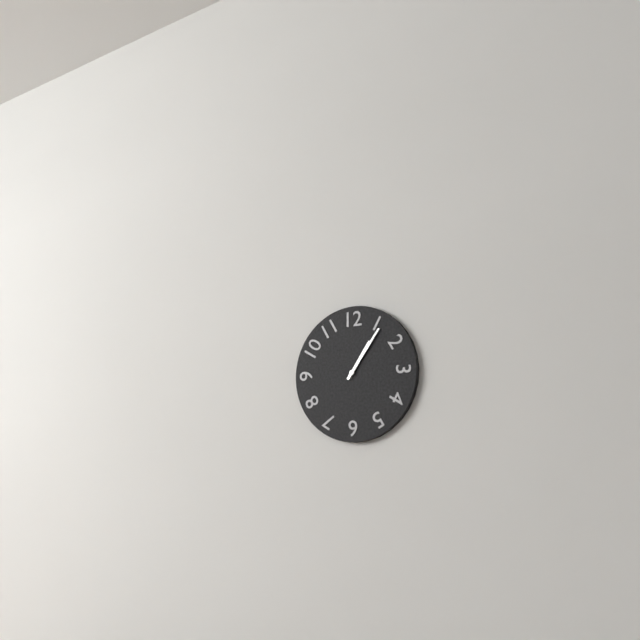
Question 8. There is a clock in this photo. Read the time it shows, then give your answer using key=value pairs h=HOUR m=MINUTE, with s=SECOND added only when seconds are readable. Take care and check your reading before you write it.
h=1 m=6
